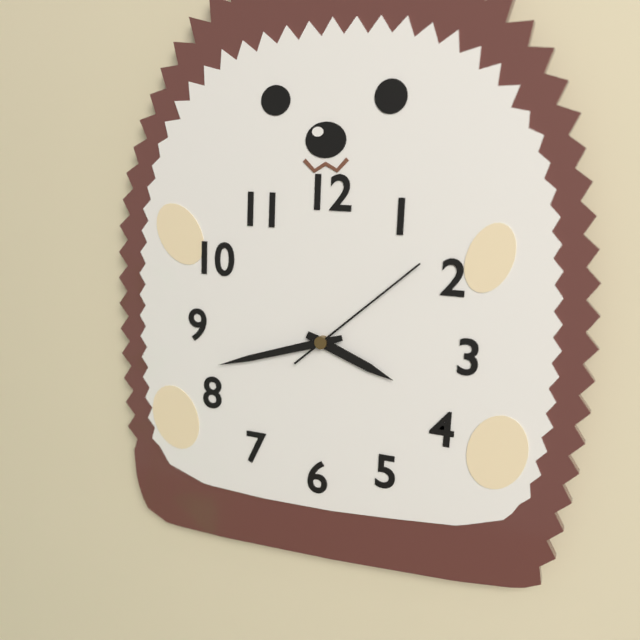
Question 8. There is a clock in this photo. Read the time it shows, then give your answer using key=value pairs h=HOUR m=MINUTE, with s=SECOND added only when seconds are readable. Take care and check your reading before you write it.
h=3 m=42 s=8
